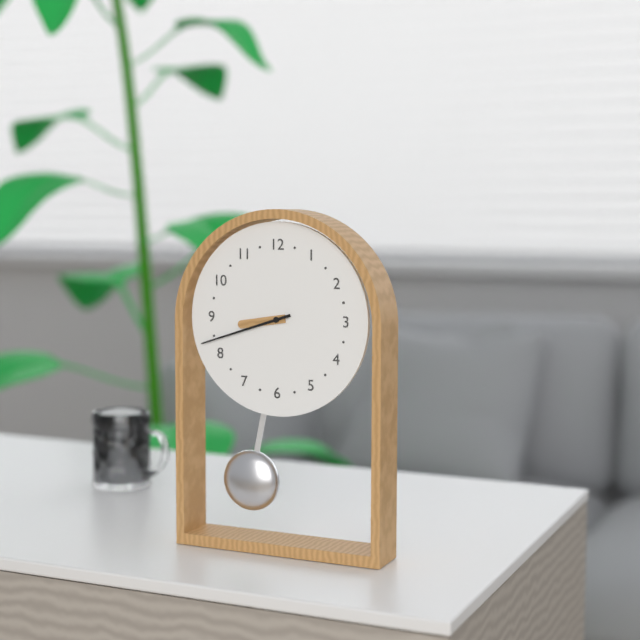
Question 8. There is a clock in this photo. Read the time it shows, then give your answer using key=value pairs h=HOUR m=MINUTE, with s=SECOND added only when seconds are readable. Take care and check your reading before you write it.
h=8 m=42
